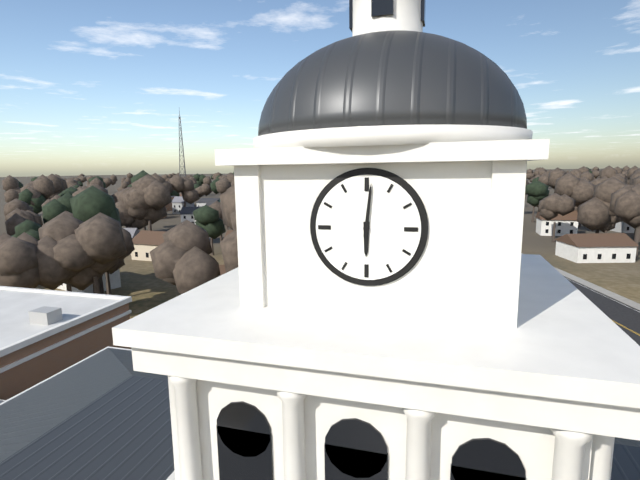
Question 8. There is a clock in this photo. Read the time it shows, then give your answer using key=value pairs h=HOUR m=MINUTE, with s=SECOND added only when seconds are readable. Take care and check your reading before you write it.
h=6 m=1
